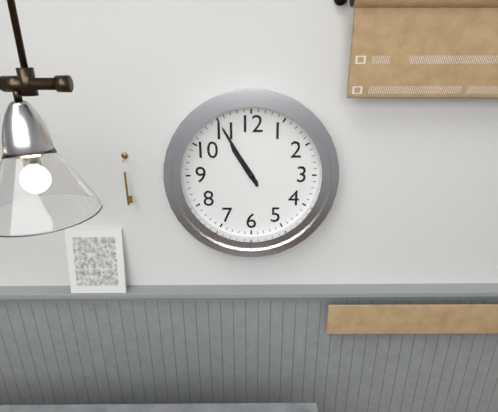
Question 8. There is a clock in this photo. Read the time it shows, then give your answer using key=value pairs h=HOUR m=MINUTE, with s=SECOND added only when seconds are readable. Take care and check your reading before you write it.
h=10 m=55
